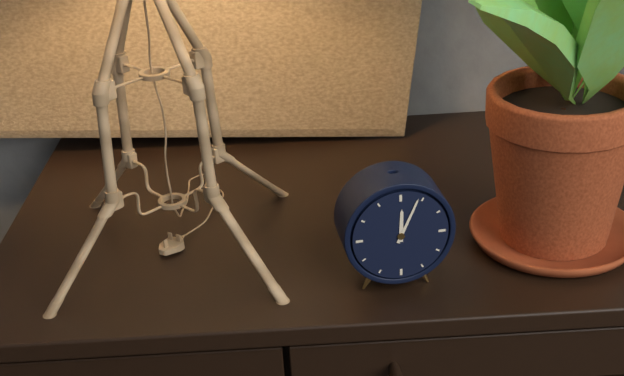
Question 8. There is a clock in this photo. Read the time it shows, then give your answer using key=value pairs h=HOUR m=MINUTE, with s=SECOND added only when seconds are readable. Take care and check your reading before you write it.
h=12 m=4
